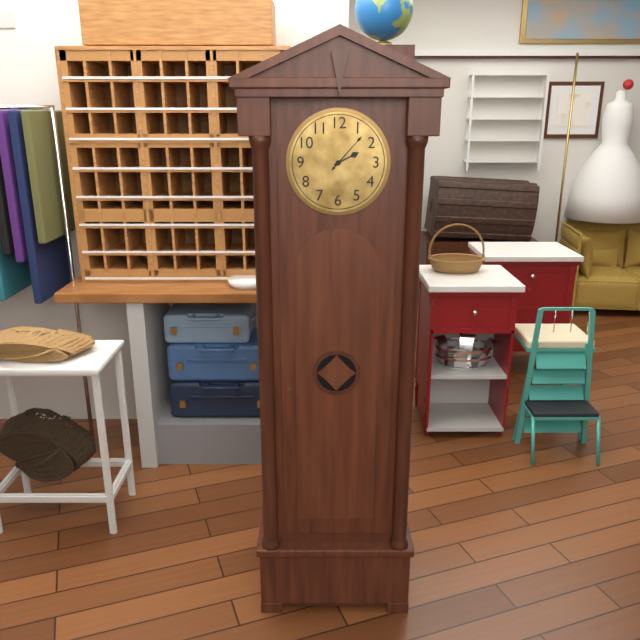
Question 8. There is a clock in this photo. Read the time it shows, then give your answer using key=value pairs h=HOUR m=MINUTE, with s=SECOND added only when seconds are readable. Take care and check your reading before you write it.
h=2 m=7
